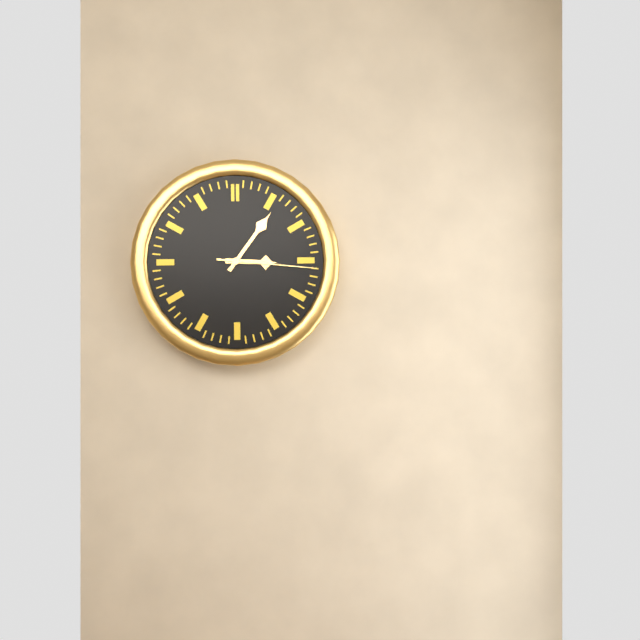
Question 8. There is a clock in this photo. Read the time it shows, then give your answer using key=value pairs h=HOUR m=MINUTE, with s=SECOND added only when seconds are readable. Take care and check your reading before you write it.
h=3 m=6 s=16
